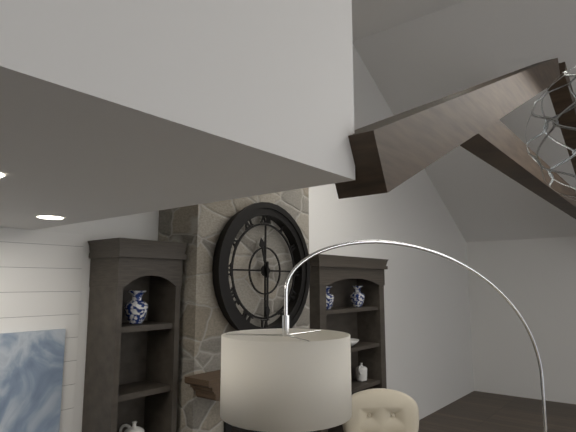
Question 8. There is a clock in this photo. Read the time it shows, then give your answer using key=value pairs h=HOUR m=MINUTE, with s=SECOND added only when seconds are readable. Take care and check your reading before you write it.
h=11 m=30
